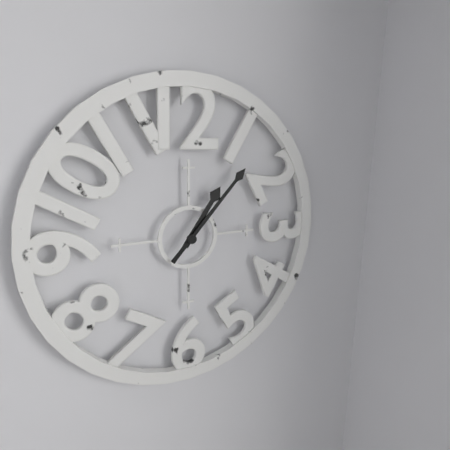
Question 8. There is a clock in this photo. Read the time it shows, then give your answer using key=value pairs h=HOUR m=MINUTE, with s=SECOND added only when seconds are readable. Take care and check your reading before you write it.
h=1 m=7
